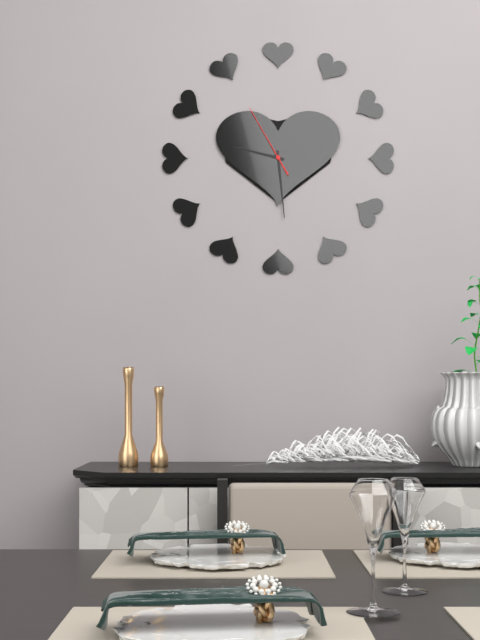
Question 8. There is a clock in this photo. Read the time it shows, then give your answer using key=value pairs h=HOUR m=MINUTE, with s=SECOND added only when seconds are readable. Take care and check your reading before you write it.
h=9 m=29 s=55
